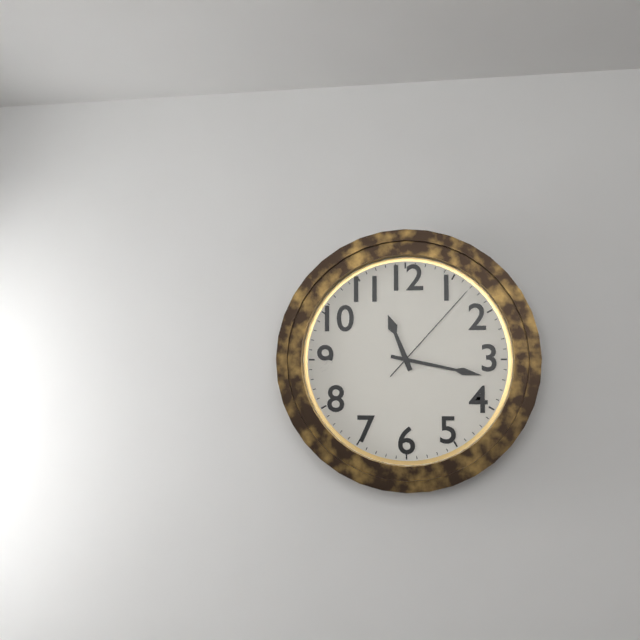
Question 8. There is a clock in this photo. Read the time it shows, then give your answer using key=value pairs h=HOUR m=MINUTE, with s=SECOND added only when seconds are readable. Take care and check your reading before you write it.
h=11 m=17 s=7
